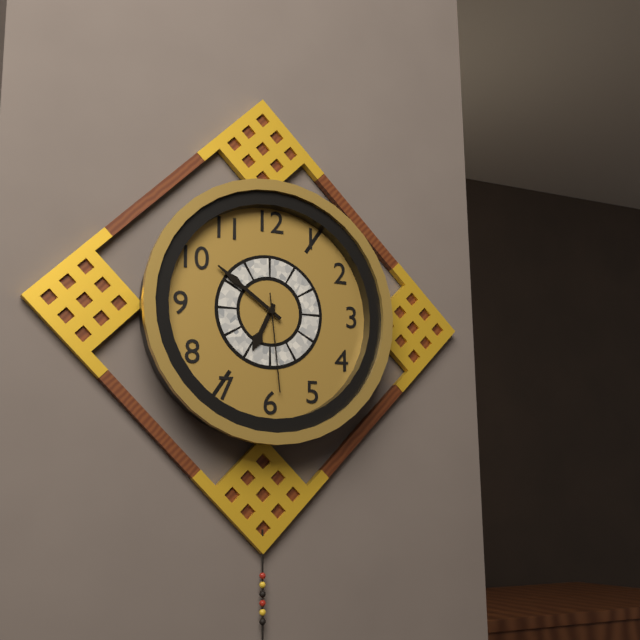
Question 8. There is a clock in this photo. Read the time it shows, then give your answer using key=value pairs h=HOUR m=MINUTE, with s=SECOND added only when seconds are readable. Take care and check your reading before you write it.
h=6 m=51 s=29
